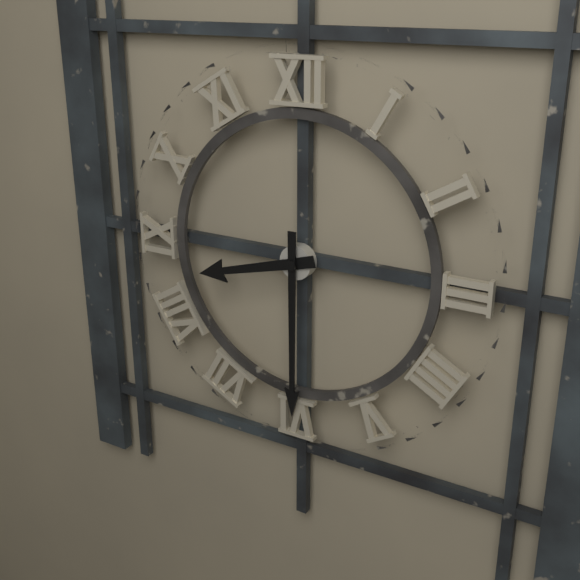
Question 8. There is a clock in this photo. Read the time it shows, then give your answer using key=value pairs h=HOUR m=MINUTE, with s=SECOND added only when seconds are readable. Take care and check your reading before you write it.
h=8 m=30
